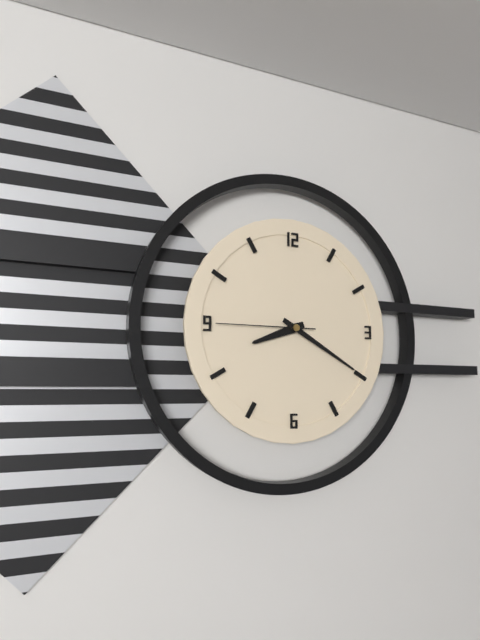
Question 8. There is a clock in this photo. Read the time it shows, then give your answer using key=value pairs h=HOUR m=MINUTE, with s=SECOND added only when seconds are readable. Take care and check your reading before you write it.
h=8 m=20 s=45
